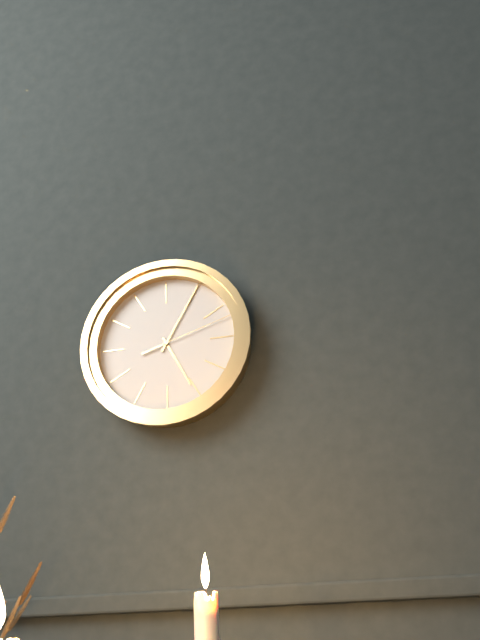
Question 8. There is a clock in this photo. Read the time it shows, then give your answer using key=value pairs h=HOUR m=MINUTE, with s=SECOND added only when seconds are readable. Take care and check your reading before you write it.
h=5 m=5 s=12
